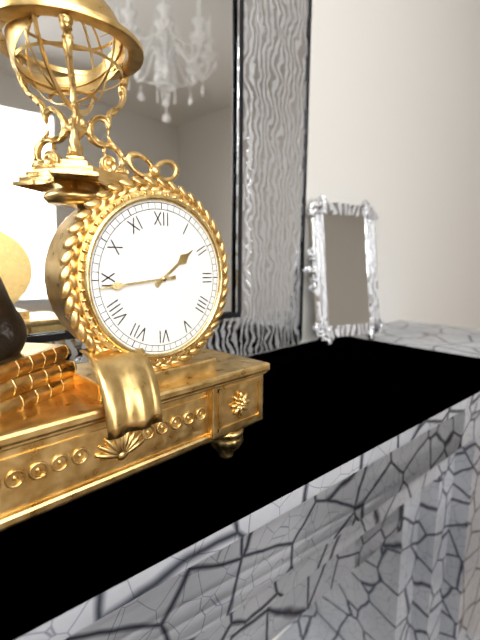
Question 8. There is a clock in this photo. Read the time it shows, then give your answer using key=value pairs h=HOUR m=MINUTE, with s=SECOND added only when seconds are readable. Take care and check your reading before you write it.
h=1 m=44
